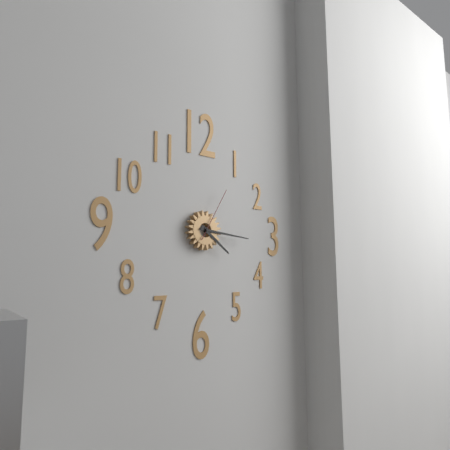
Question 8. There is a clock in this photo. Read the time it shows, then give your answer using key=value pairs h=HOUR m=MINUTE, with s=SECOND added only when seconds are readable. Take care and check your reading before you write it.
h=4 m=16 s=5
